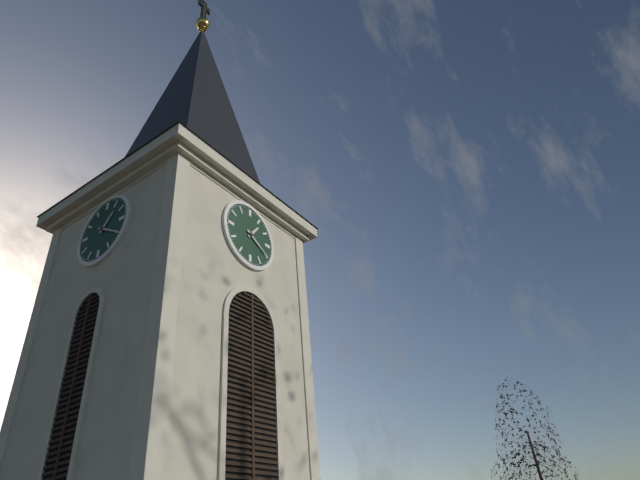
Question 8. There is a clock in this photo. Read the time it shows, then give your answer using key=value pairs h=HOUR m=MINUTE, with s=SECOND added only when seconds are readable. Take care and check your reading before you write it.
h=1 m=20
